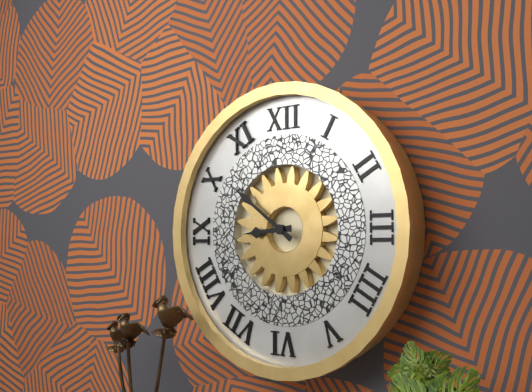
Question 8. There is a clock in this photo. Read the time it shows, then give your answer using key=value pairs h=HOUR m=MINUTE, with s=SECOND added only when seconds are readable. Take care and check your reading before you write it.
h=8 m=51
